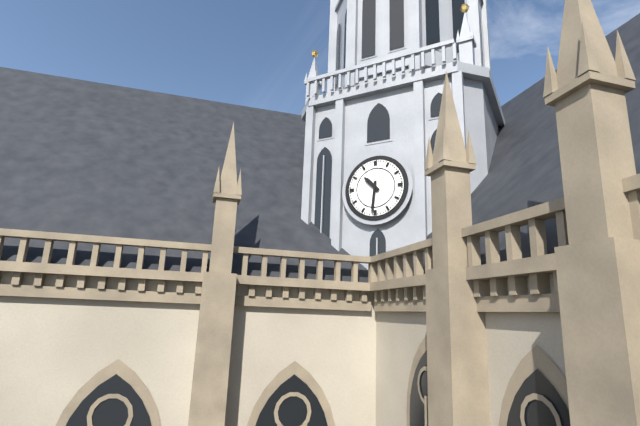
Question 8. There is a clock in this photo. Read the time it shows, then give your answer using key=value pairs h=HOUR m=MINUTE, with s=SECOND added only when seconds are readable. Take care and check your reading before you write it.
h=10 m=31
